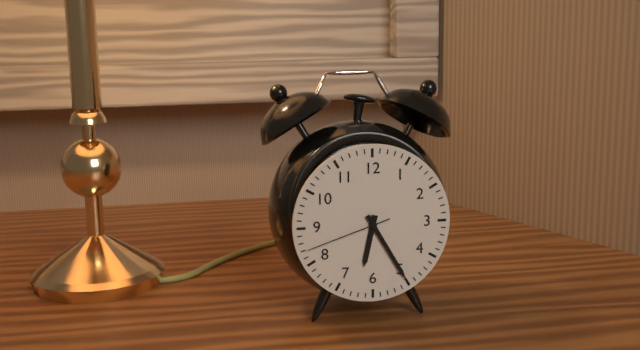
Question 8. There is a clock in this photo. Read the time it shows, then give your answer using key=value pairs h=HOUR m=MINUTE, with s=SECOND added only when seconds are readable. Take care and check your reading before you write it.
h=6 m=25 s=42
